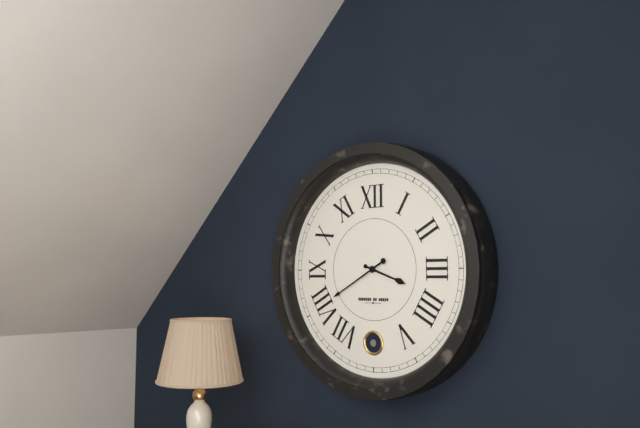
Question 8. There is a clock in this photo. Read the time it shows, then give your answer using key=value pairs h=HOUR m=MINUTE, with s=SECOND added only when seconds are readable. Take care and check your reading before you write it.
h=3 m=40
